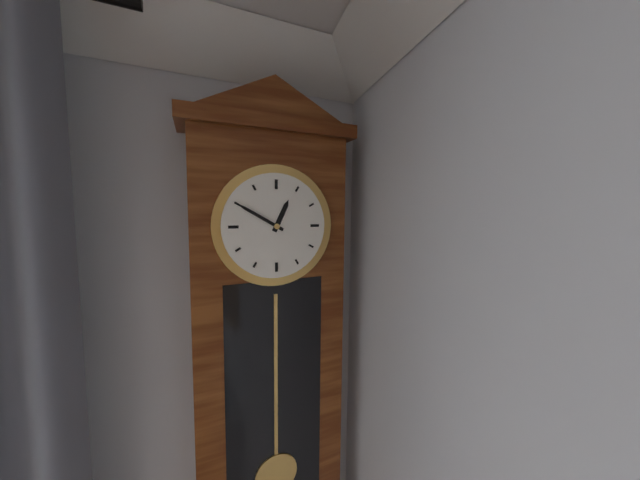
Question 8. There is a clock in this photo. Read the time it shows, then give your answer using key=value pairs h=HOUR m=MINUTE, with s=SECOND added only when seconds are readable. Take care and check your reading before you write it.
h=12 m=50
